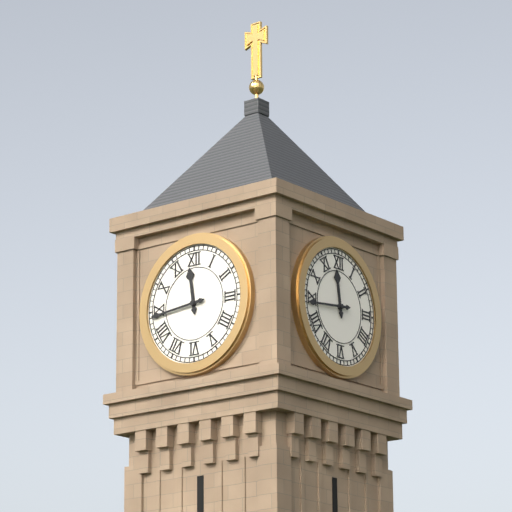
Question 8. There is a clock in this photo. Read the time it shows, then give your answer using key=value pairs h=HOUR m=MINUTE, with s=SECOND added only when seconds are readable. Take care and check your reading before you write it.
h=11 m=44
